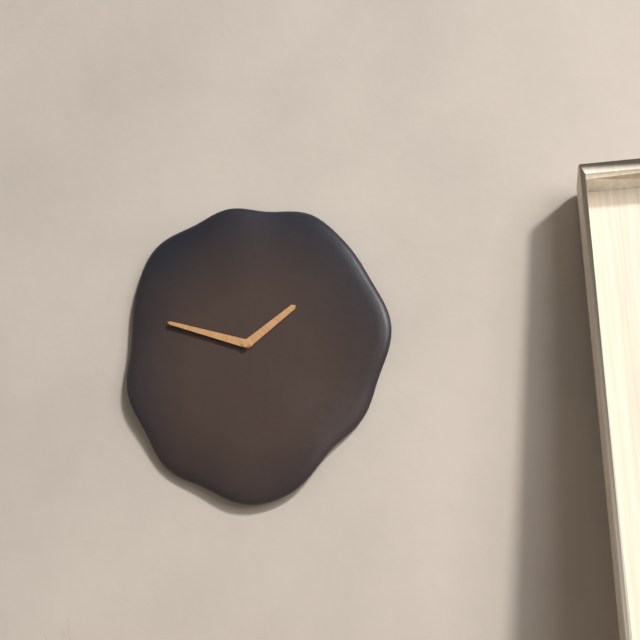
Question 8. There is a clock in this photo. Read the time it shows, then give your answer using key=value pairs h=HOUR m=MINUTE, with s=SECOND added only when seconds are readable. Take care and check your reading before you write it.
h=1 m=48
